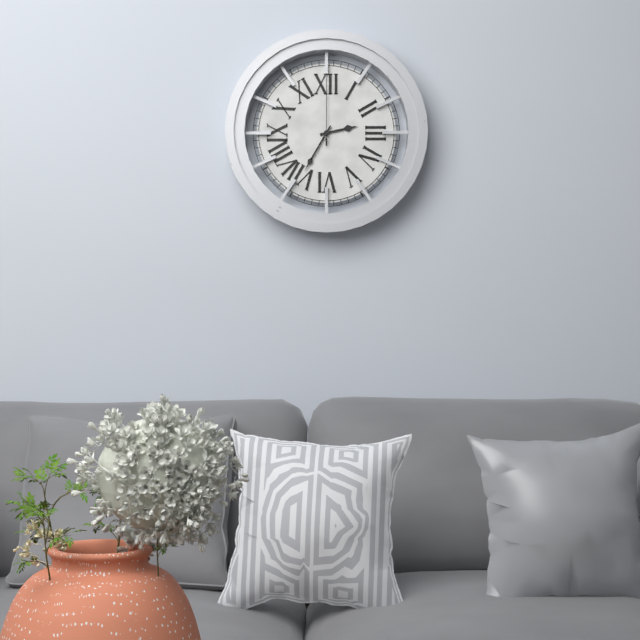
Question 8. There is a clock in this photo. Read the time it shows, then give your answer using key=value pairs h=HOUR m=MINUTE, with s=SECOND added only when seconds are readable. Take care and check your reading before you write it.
h=2 m=35 s=0
